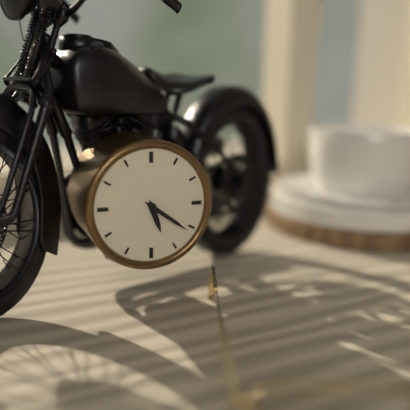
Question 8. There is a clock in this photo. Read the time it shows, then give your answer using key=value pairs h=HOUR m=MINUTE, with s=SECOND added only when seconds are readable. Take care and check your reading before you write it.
h=5 m=21
